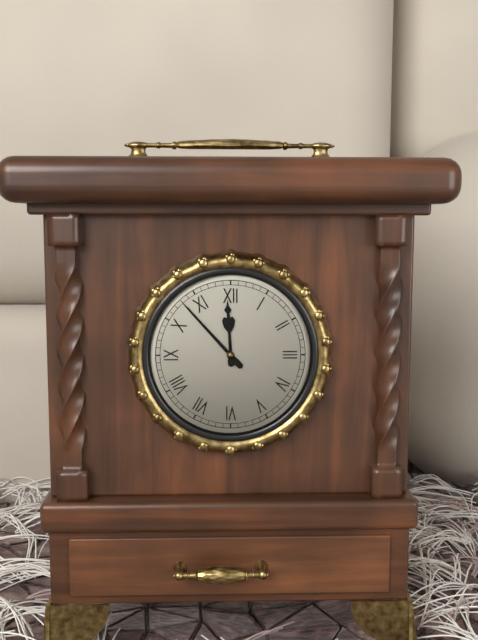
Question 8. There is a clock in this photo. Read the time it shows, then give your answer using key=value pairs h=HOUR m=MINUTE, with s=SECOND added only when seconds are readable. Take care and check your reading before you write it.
h=11 m=53
